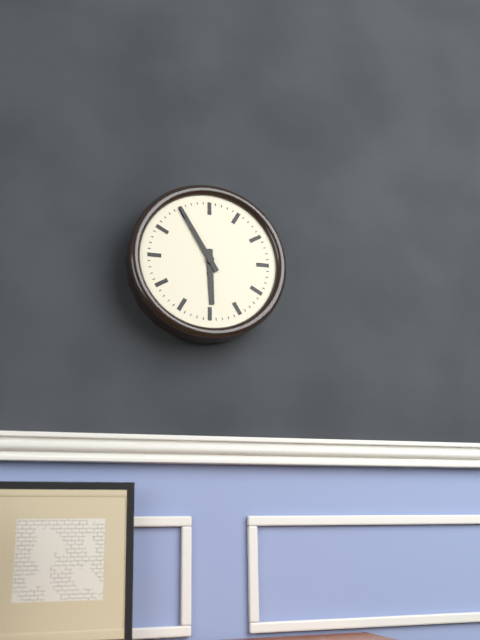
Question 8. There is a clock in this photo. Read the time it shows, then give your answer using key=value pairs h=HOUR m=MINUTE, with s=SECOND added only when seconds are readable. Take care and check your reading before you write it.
h=5 m=55
